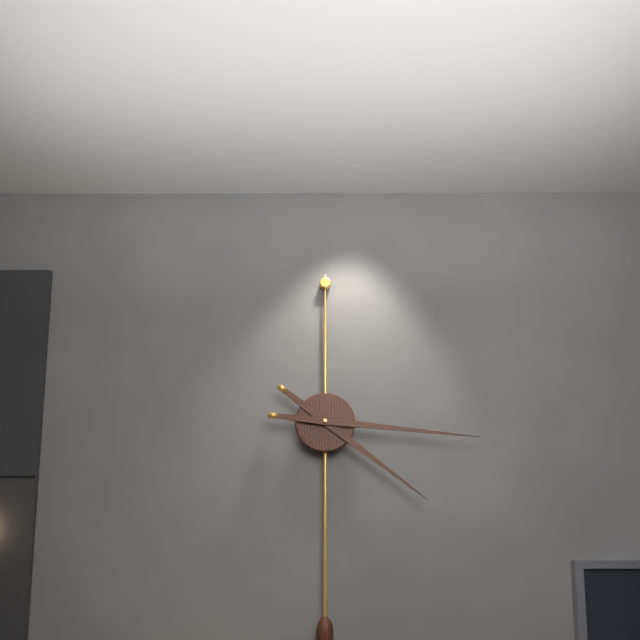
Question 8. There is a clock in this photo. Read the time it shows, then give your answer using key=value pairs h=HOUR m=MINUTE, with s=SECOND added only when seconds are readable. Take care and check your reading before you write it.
h=4 m=16
